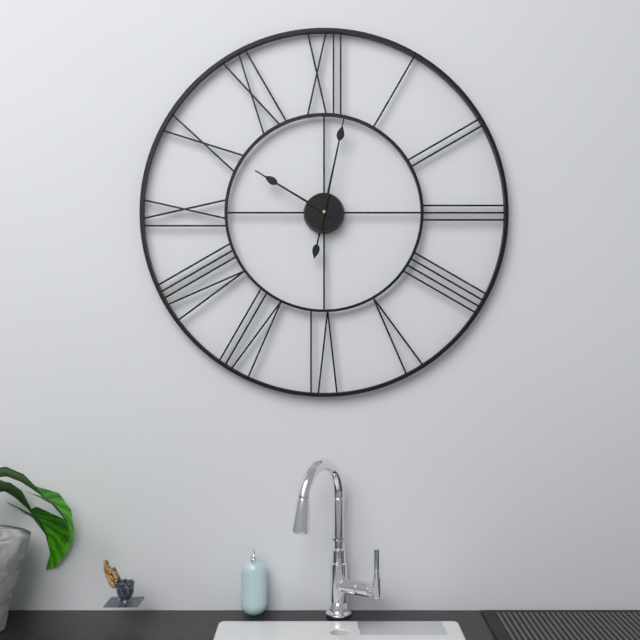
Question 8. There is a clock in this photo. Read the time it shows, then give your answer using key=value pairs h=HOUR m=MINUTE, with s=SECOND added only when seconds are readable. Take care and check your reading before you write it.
h=10 m=2
